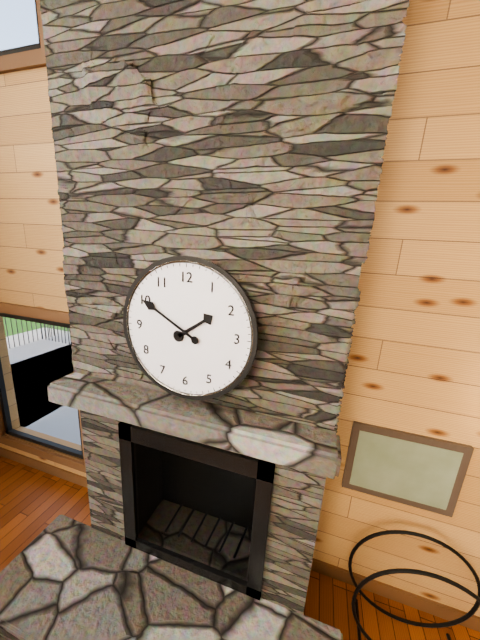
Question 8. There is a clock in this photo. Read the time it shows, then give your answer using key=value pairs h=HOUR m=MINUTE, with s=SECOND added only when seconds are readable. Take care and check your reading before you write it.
h=1 m=50
